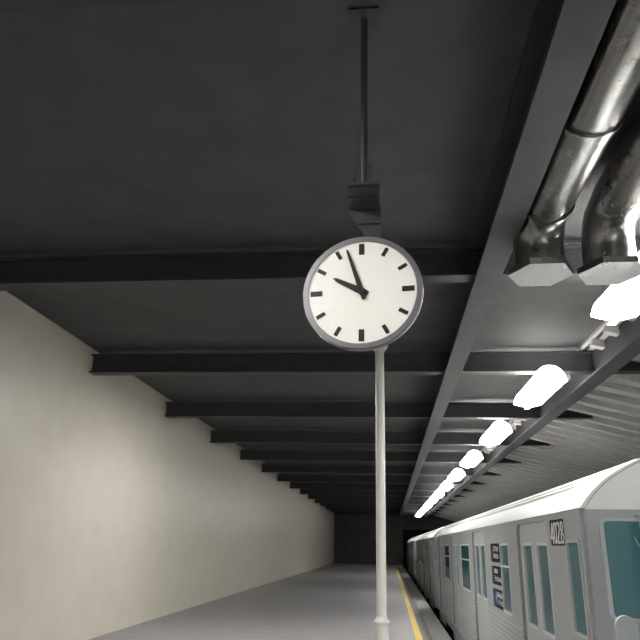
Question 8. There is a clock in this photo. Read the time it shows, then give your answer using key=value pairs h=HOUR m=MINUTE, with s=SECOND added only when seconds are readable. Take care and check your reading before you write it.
h=9 m=57
